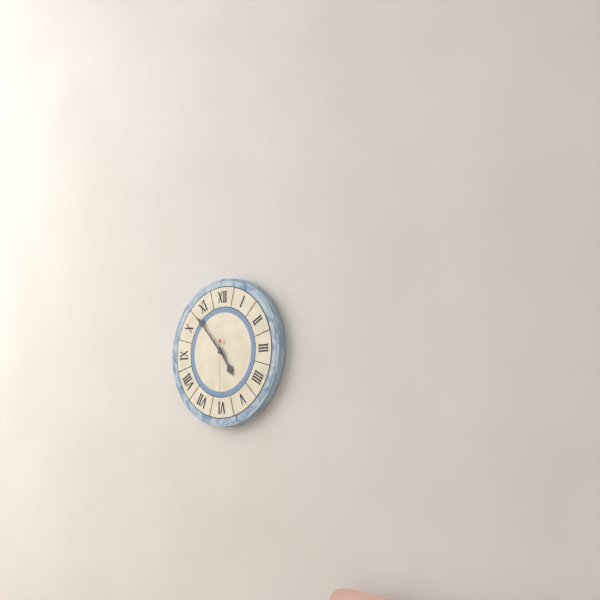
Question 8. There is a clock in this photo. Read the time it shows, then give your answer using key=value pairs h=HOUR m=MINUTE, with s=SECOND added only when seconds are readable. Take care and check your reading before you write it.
h=4 m=53 s=30
